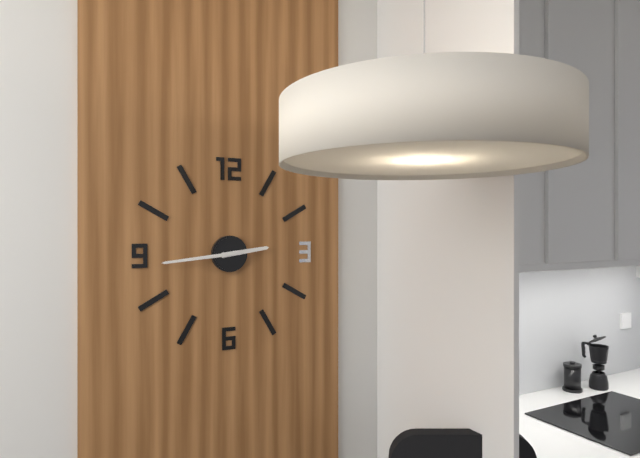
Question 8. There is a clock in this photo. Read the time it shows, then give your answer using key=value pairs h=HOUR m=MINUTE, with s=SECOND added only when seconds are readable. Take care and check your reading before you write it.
h=2 m=44
